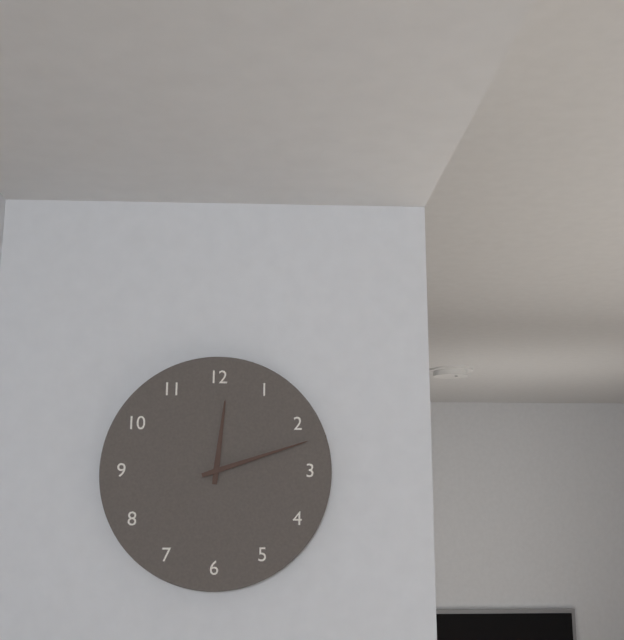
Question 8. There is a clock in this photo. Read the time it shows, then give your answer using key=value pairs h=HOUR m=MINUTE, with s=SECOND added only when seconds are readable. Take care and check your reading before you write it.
h=12 m=12
